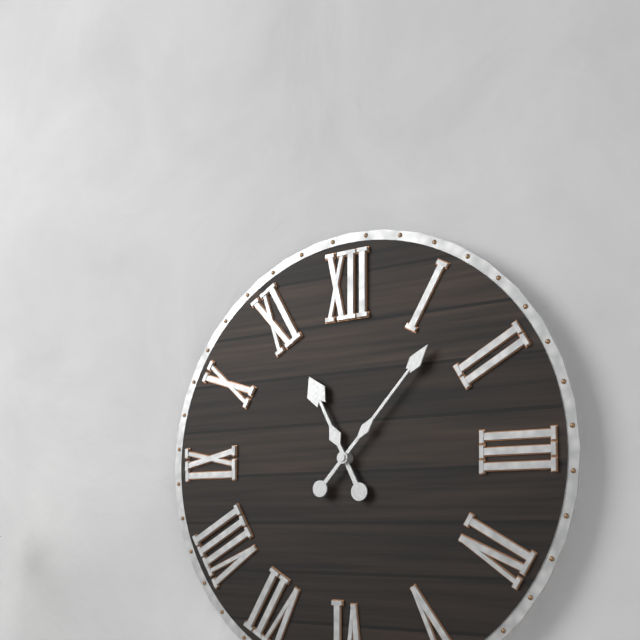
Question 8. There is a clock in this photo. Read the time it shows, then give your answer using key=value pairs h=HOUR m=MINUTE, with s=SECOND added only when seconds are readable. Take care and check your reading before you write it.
h=11 m=7
